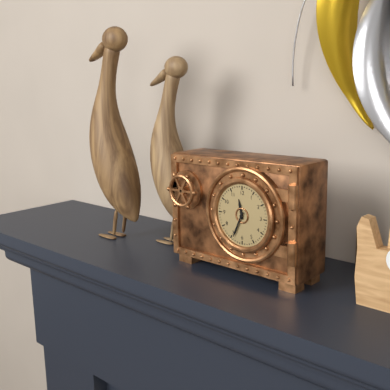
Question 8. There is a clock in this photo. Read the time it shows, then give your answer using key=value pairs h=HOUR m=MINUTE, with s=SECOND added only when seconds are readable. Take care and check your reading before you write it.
h=11 m=34
